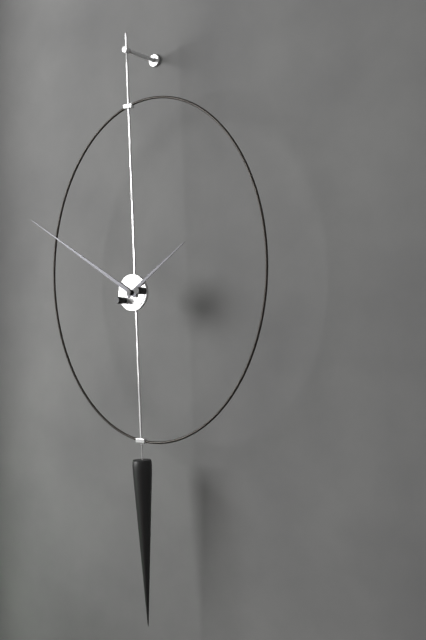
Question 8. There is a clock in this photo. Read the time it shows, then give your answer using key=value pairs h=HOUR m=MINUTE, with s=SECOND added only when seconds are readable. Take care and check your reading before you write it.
h=1 m=50
